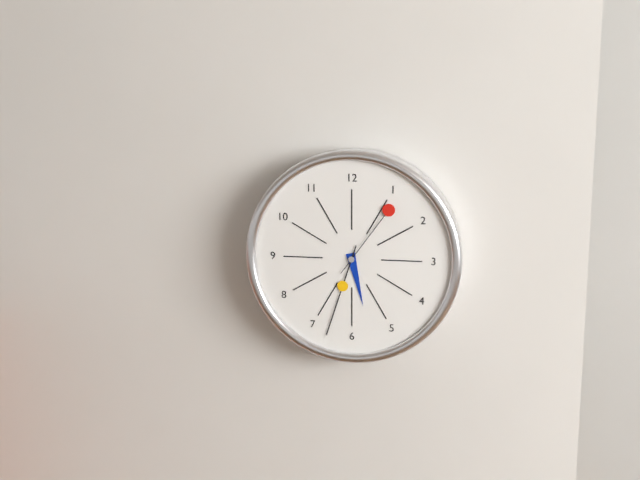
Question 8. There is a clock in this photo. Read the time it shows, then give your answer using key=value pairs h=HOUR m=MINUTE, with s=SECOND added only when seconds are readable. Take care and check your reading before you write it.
h=5 m=33 s=6
